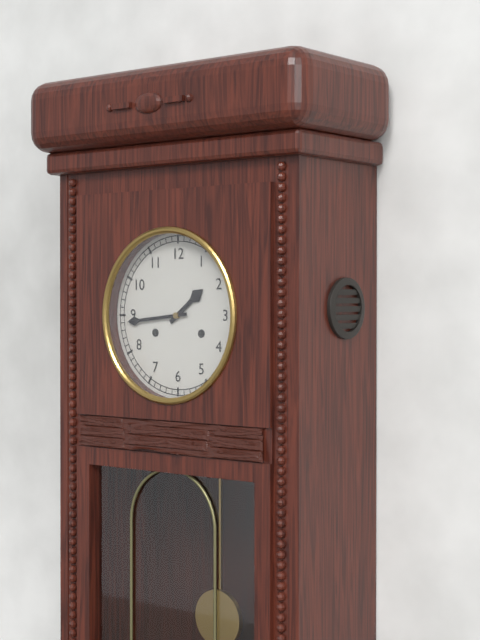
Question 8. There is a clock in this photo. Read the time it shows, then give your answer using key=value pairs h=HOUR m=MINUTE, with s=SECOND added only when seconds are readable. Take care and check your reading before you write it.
h=1 m=44
